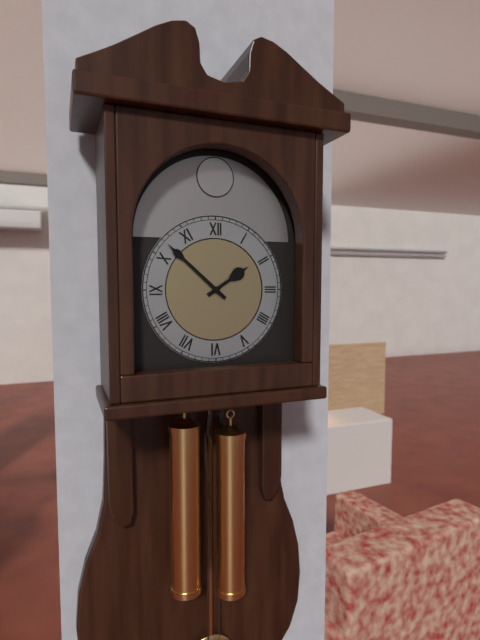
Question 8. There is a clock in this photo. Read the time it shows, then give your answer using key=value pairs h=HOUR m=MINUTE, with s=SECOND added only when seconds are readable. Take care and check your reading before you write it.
h=1 m=52
